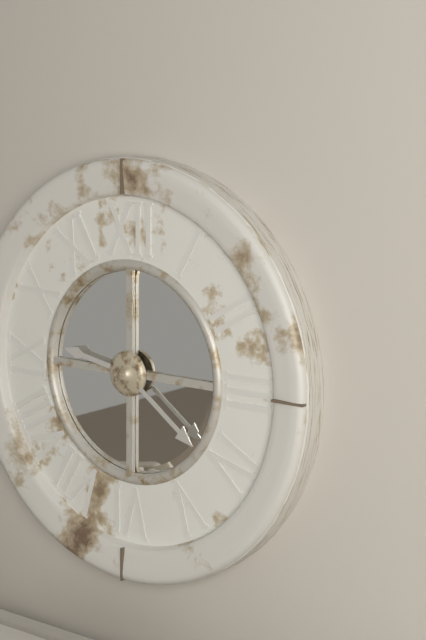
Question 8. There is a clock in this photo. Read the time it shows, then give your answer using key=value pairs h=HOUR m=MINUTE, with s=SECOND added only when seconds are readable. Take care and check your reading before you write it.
h=9 m=21
